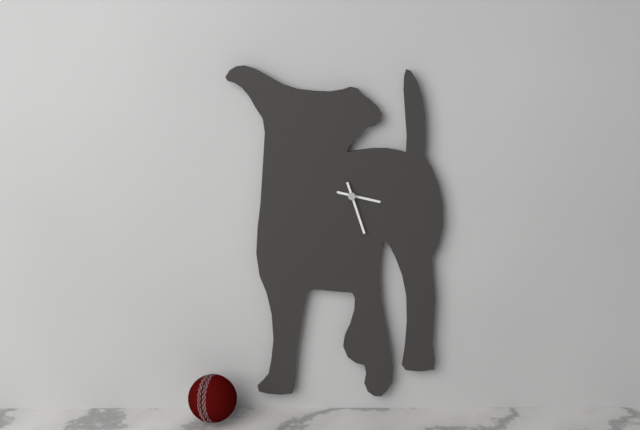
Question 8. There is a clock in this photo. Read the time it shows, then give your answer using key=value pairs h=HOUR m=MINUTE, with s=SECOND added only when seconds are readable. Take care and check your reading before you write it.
h=3 m=27
